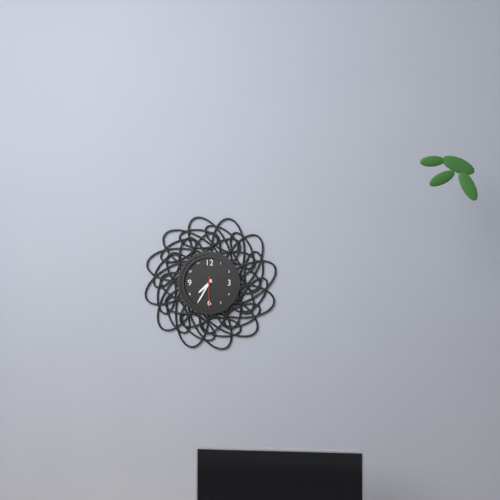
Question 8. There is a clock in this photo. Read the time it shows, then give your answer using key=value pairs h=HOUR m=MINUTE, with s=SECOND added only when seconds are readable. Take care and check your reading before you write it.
h=7 m=35
